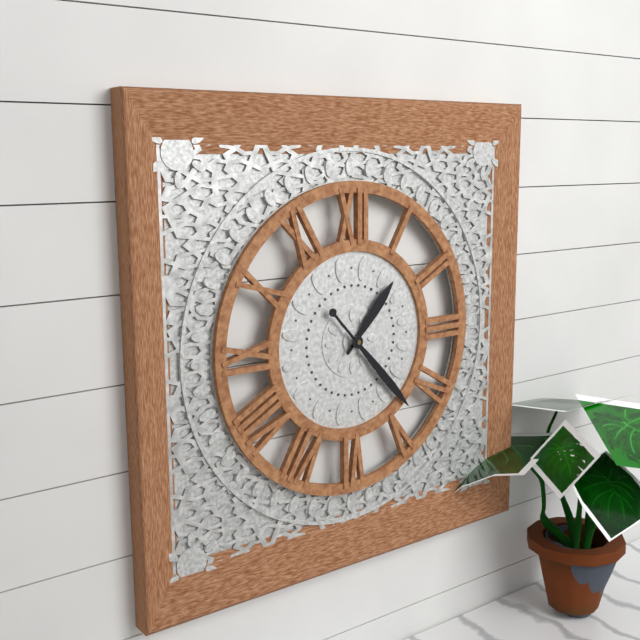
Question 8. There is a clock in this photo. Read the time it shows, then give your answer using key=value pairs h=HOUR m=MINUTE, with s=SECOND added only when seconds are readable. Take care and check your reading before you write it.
h=1 m=23
